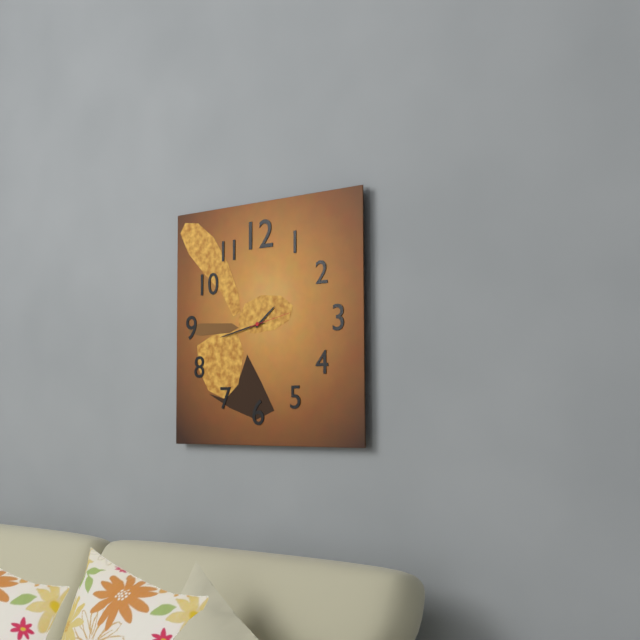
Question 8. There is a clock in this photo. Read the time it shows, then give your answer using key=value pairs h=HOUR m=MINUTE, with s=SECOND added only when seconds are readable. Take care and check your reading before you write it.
h=1 m=43
